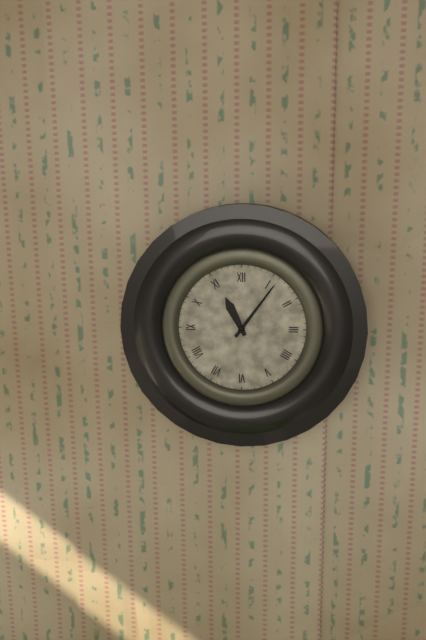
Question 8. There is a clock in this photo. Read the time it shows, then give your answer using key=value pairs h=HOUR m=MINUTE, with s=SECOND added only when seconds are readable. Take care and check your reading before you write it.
h=11 m=6
